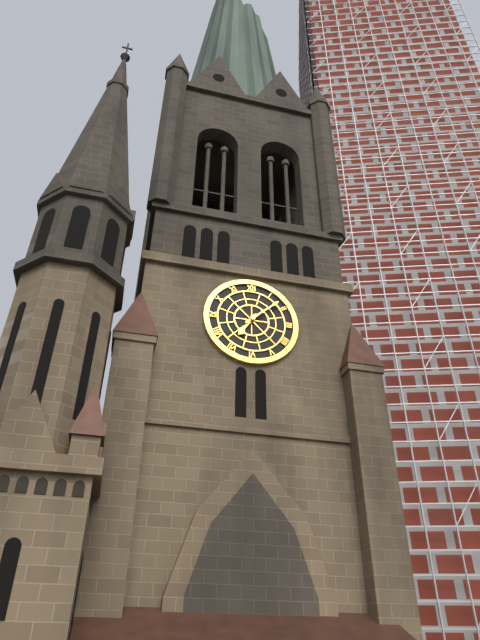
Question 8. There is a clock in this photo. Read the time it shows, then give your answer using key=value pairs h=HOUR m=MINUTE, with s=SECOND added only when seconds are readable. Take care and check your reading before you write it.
h=7 m=8
